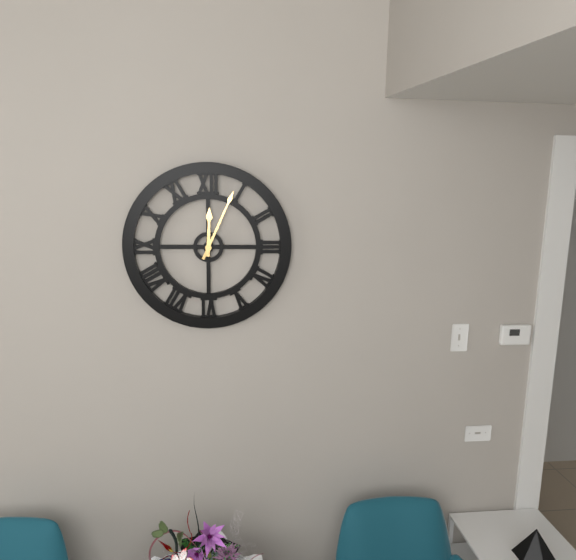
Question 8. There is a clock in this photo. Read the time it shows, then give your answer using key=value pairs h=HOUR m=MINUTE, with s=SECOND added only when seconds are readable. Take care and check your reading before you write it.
h=12 m=4
